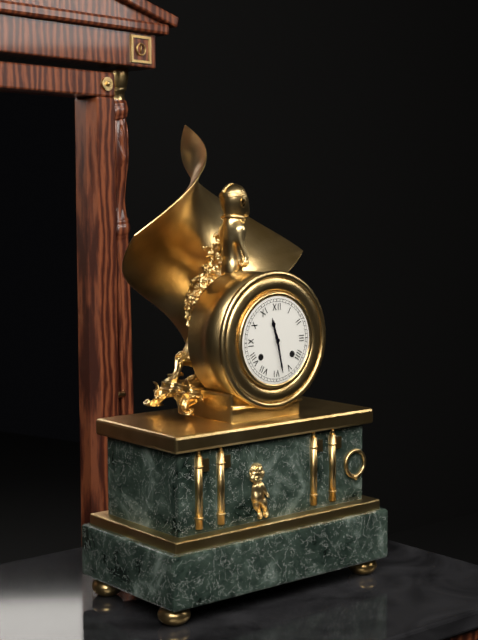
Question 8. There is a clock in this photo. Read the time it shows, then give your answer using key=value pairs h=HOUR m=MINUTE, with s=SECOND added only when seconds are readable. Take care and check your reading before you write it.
h=11 m=28
